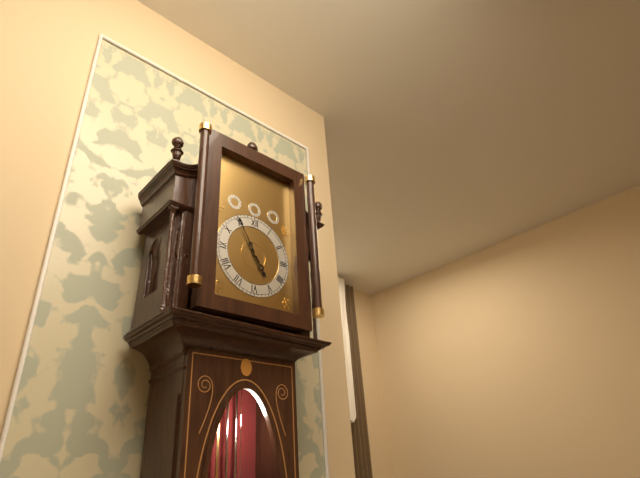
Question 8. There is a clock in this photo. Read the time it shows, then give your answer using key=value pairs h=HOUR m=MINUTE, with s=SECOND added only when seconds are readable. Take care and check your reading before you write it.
h=4 m=55
